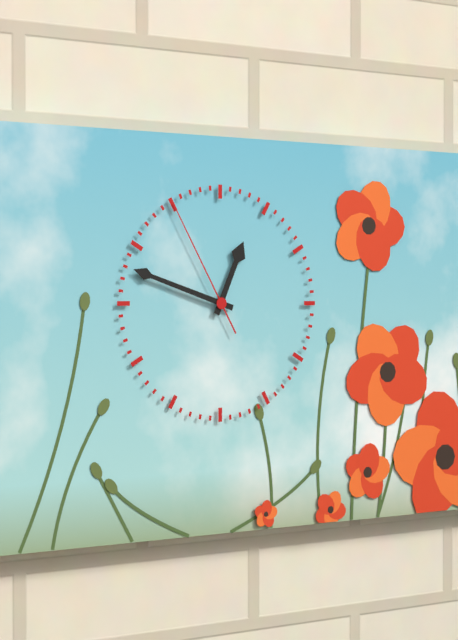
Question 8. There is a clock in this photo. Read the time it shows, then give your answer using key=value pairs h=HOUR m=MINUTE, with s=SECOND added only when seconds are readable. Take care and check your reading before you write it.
h=12 m=48 s=55
